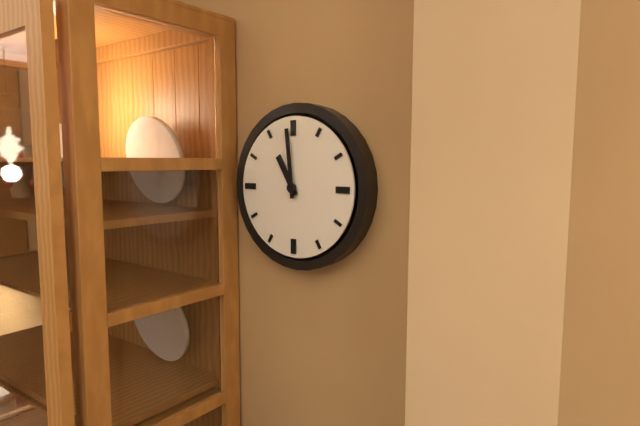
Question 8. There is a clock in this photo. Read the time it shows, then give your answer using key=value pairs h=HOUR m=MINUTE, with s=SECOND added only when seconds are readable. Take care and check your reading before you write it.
h=10 m=59
